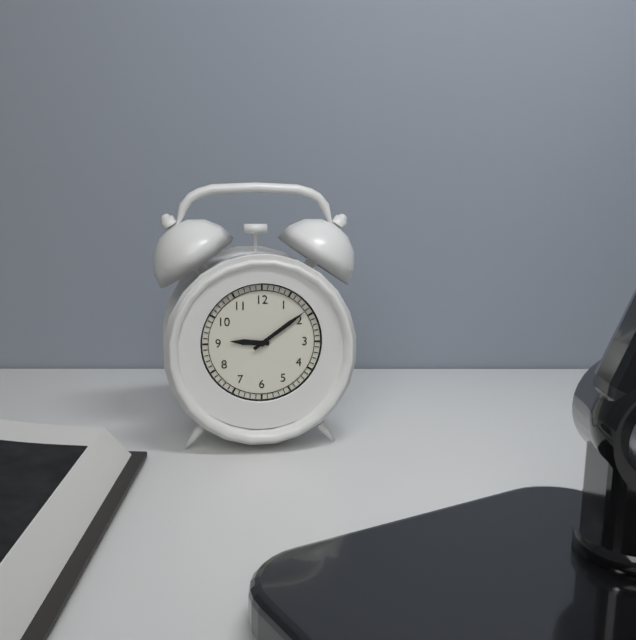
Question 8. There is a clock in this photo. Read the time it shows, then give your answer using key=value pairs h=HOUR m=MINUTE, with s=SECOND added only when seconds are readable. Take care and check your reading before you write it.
h=9 m=9
